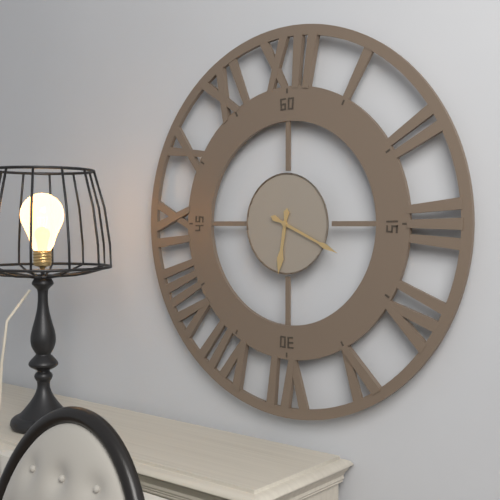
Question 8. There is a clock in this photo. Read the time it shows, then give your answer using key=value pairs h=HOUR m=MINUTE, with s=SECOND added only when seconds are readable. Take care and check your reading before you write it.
h=6 m=19
